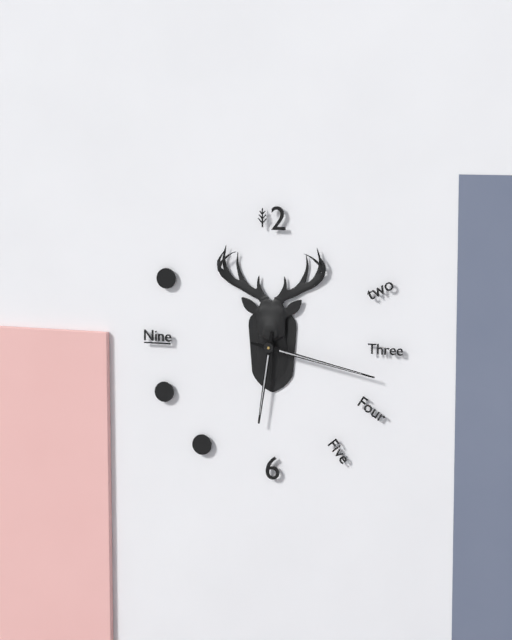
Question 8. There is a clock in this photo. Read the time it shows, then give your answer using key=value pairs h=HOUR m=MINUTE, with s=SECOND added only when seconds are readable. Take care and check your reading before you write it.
h=6 m=17
